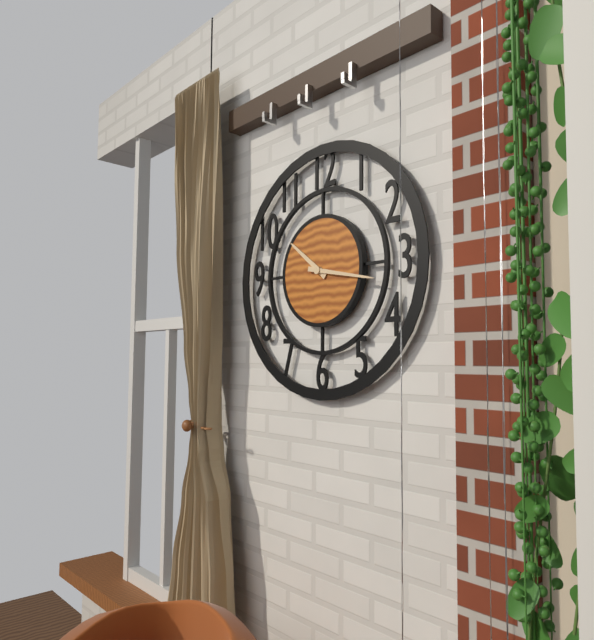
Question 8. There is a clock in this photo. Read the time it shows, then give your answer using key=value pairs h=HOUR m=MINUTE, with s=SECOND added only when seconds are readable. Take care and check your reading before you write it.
h=10 m=17
